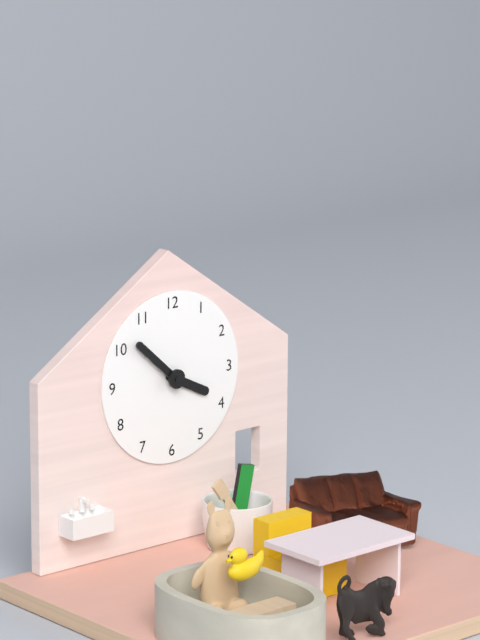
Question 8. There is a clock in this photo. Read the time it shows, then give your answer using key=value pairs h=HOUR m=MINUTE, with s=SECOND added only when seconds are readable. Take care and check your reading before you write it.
h=3 m=52
